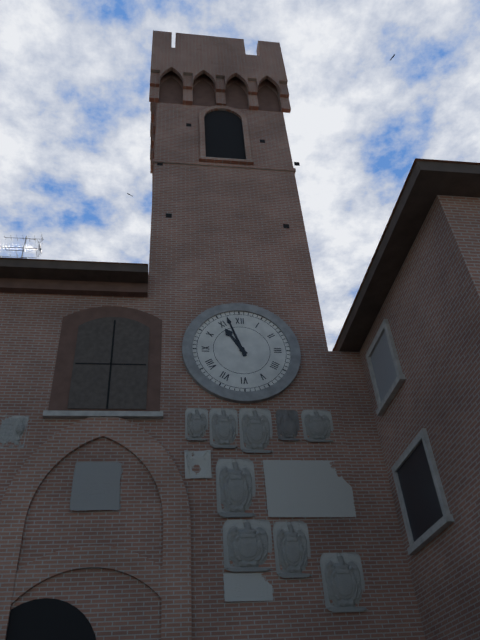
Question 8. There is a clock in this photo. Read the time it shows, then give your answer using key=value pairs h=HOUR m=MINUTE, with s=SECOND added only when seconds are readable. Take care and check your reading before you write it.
h=10 m=57
